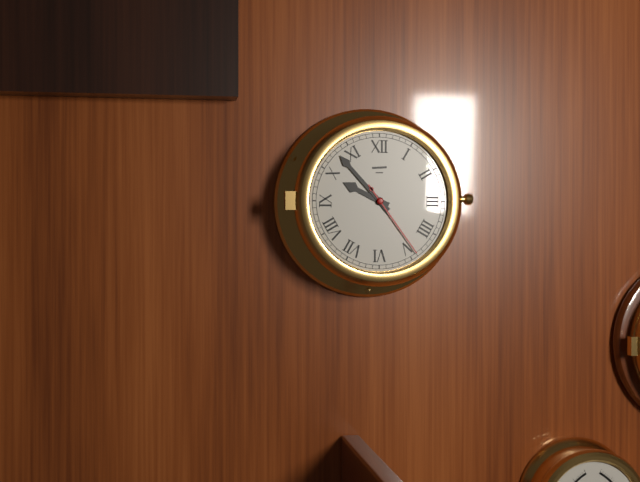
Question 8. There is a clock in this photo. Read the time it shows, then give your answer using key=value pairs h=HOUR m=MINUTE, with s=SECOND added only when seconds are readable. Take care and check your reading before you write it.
h=9 m=53 s=24
